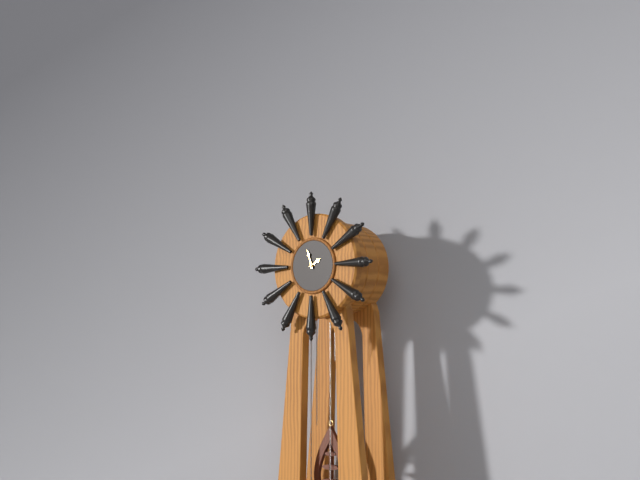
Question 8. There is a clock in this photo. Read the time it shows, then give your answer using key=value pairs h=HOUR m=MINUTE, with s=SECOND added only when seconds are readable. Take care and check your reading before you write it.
h=1 m=57
